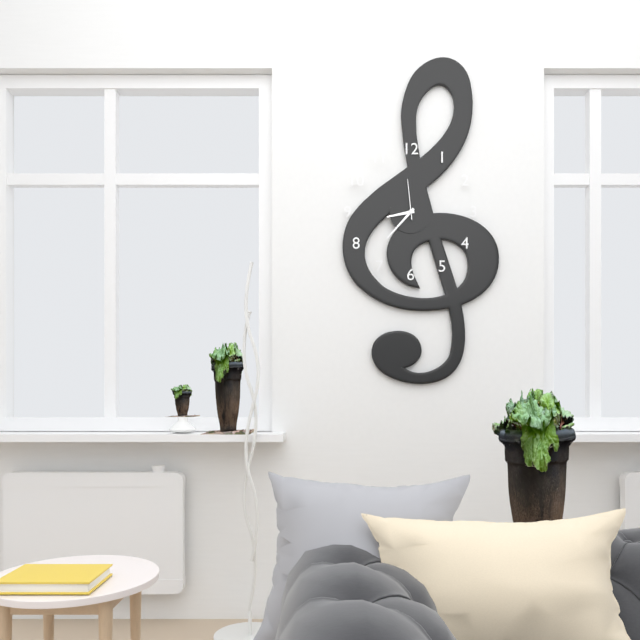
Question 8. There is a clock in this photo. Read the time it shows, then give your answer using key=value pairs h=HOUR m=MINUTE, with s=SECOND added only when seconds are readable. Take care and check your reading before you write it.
h=8 m=37
